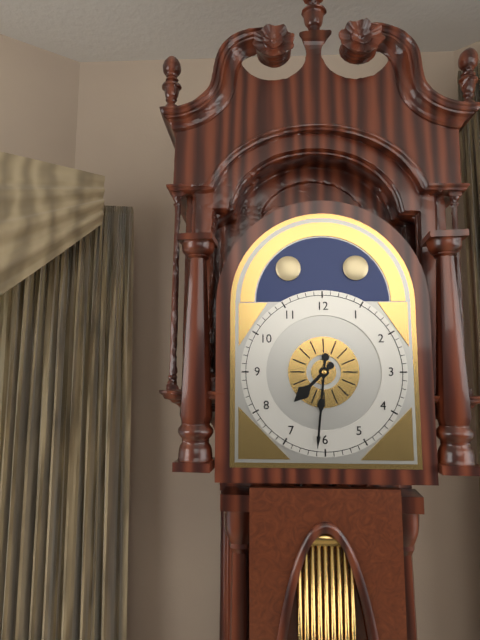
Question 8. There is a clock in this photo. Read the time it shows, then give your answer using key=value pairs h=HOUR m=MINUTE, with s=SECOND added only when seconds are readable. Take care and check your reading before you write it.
h=7 m=31
